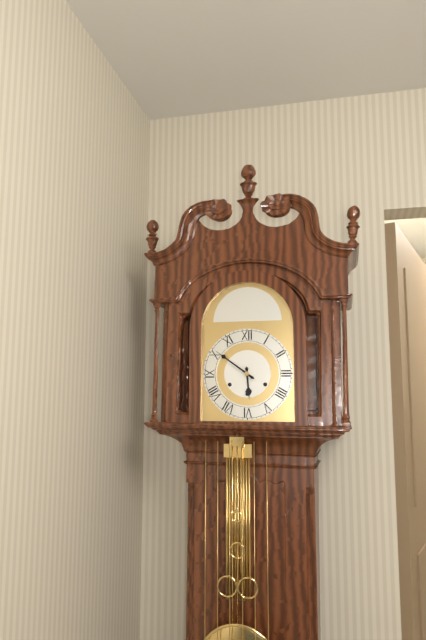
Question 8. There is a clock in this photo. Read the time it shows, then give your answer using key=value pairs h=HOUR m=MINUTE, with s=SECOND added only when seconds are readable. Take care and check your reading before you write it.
h=5 m=51
